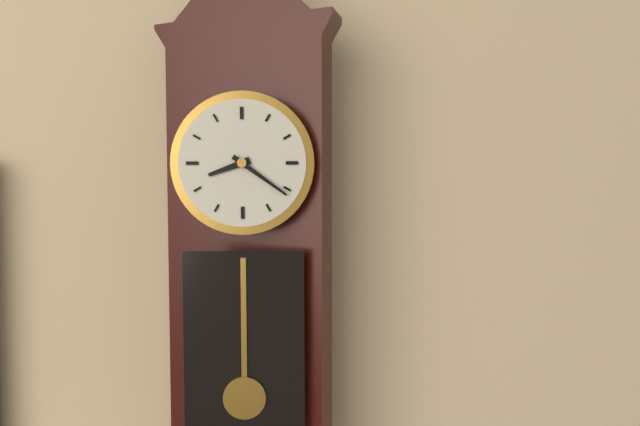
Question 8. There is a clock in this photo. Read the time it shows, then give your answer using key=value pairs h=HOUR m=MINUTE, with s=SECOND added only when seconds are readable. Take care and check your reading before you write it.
h=8 m=21
